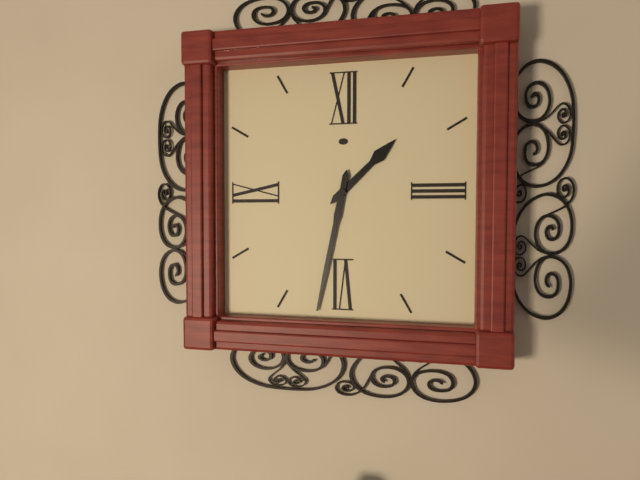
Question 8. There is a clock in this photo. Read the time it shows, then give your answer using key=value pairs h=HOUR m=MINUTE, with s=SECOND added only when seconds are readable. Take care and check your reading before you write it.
h=1 m=32
